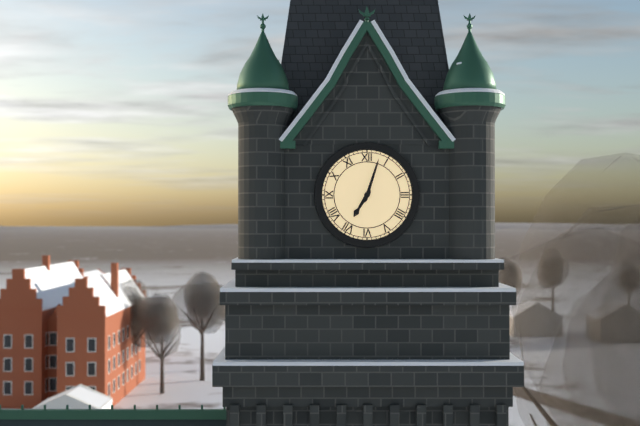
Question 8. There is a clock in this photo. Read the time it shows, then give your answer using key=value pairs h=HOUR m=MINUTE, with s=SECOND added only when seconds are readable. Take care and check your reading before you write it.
h=7 m=3
